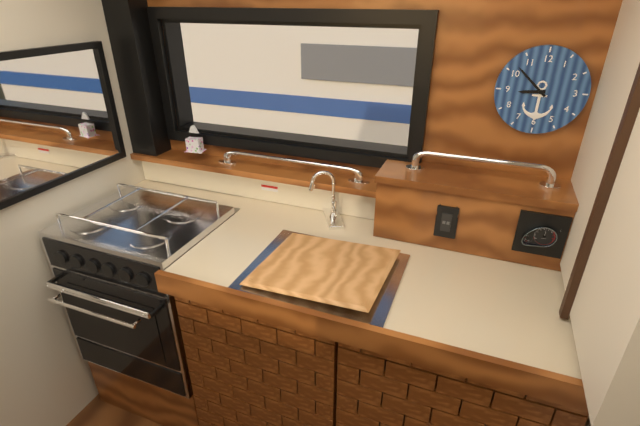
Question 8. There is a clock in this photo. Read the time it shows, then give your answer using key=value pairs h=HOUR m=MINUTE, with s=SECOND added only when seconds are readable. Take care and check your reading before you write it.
h=8 m=52
